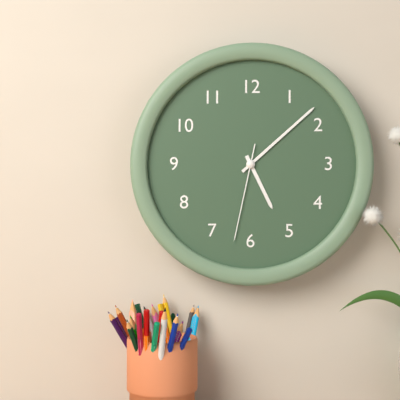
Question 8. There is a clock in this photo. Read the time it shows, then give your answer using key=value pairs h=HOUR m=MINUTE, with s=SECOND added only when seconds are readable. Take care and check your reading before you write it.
h=5 m=8 s=32
